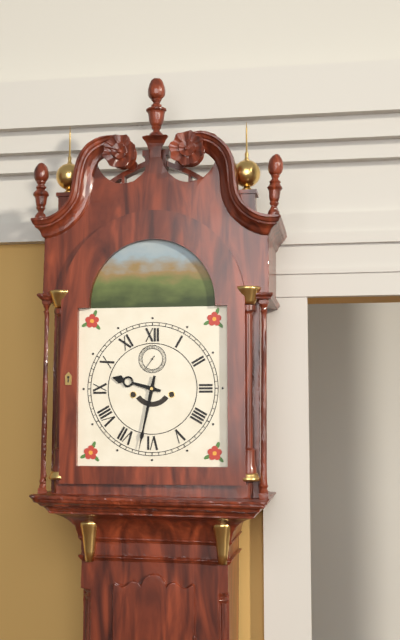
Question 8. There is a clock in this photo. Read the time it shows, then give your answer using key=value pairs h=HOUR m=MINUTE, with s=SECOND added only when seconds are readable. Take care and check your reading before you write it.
h=9 m=32
